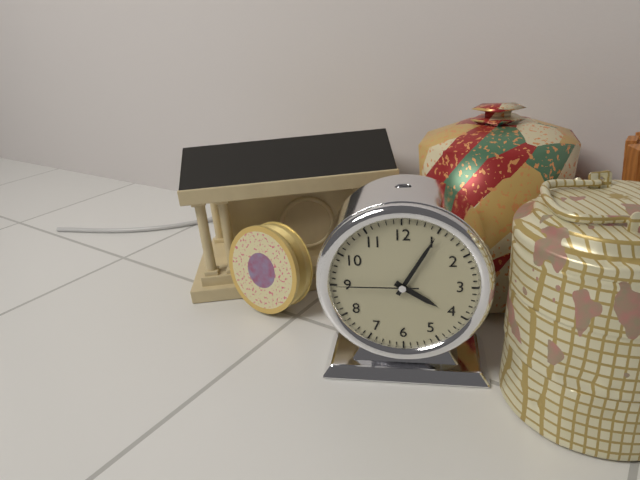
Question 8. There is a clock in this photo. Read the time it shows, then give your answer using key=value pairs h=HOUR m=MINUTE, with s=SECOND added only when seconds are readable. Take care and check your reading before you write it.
h=4 m=5 s=45
